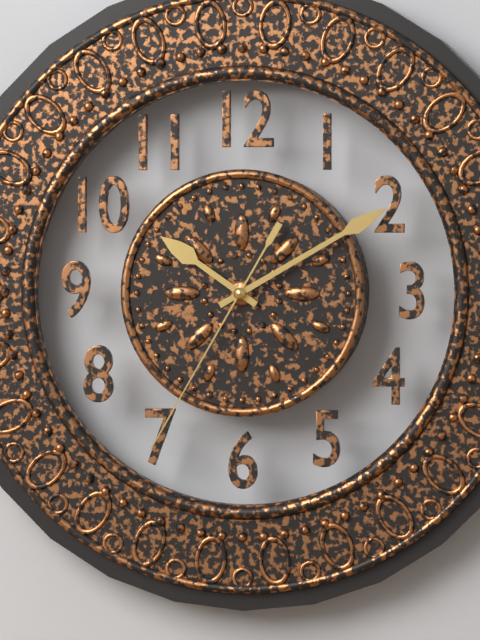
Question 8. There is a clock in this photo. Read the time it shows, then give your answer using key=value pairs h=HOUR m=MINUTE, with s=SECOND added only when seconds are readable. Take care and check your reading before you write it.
h=10 m=10 s=35
